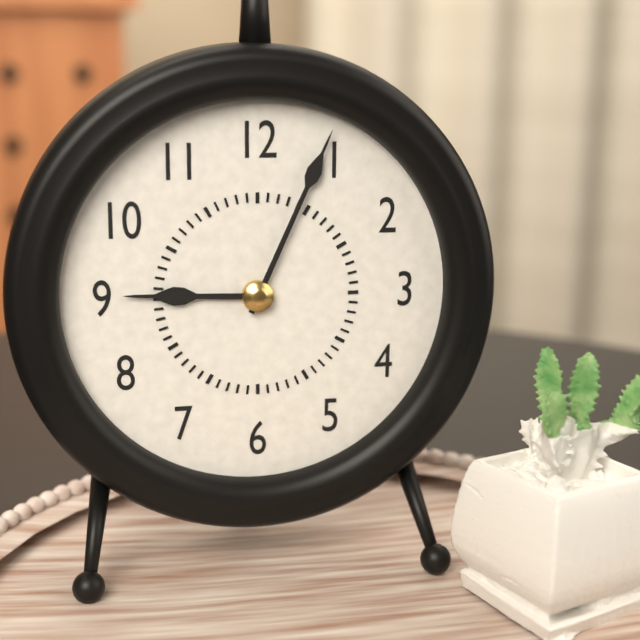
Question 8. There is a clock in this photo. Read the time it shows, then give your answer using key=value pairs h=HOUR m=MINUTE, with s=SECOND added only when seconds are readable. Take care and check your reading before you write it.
h=9 m=4
